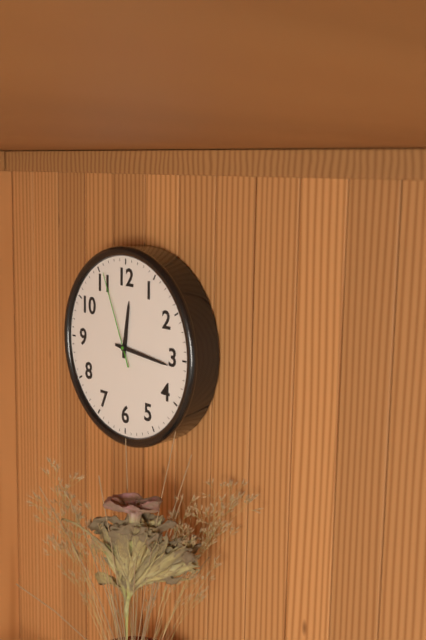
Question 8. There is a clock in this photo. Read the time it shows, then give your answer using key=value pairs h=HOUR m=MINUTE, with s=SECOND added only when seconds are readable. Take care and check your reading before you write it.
h=12 m=16 s=56
